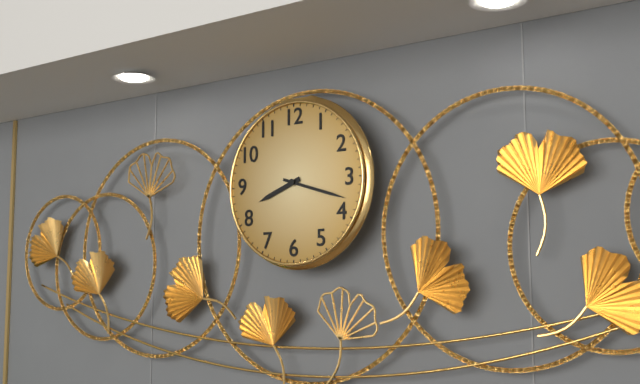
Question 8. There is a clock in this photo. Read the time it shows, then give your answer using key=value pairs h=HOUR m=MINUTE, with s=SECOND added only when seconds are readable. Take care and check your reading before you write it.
h=8 m=18
